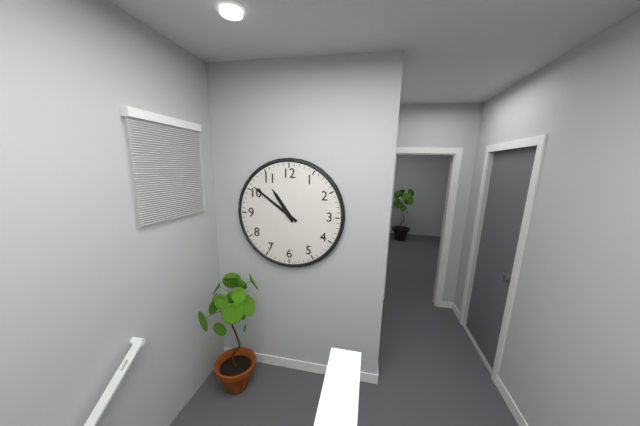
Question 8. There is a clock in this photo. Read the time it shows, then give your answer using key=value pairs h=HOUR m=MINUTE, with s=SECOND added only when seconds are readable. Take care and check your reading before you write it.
h=10 m=51
